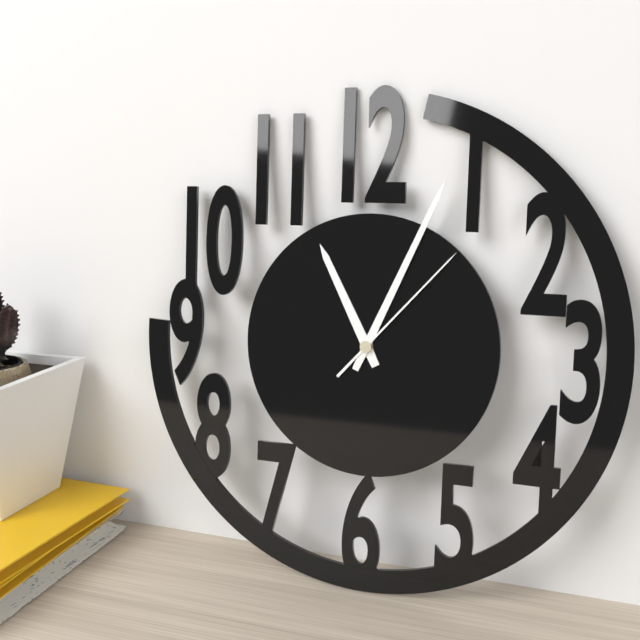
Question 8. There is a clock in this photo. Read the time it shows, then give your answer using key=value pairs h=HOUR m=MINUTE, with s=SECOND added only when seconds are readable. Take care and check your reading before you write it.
h=11 m=4 s=7
